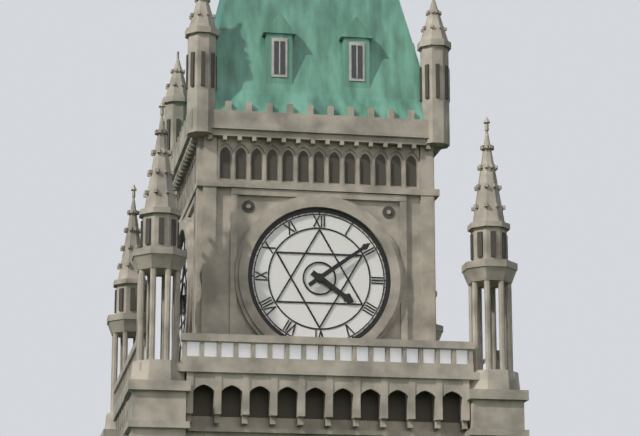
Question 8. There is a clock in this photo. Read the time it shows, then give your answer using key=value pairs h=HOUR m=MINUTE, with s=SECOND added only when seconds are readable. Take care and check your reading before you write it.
h=4 m=9
